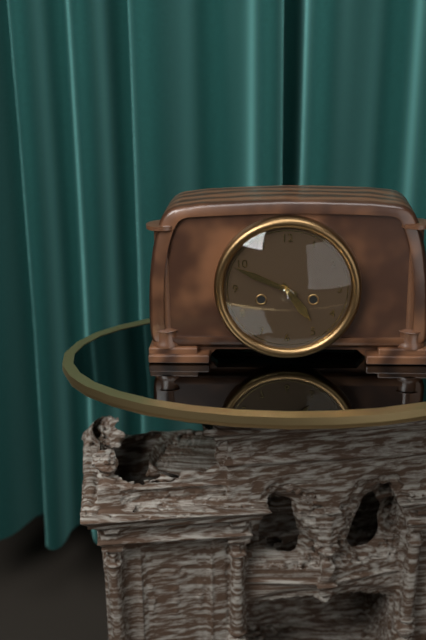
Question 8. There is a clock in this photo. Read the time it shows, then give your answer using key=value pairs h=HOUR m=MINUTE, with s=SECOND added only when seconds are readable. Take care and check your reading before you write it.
h=4 m=49
